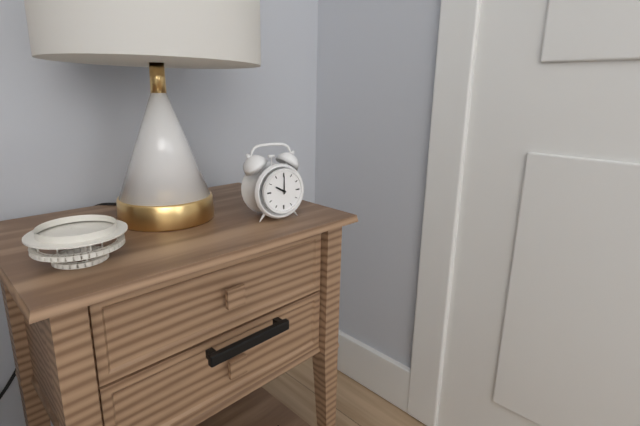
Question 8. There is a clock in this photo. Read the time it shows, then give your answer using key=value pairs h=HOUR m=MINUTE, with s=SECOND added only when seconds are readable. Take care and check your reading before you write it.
h=10 m=0
